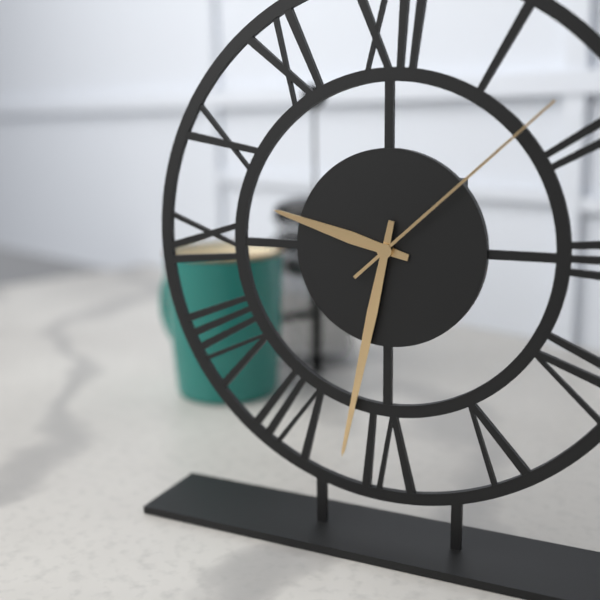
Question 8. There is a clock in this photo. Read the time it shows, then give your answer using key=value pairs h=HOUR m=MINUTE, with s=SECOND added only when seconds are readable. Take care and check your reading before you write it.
h=9 m=32 s=8
